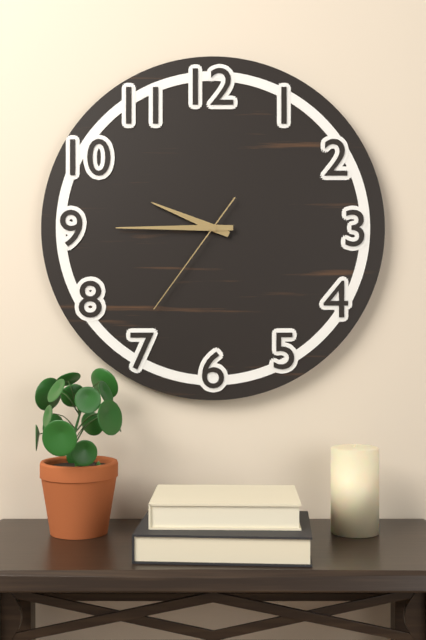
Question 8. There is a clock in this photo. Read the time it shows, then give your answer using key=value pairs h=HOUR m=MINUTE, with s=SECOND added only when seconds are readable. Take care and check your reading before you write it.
h=9 m=45 s=36
